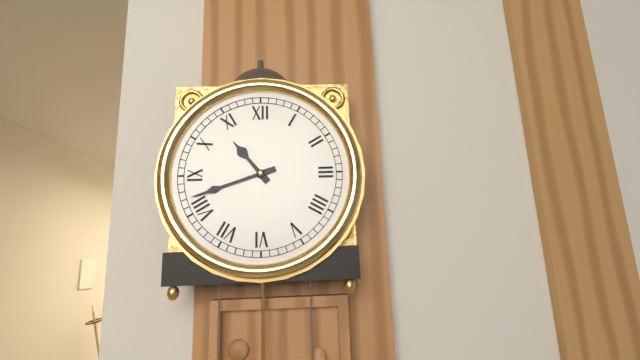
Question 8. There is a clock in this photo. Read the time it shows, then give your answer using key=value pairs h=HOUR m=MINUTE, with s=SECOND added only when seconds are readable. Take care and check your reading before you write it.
h=10 m=42
